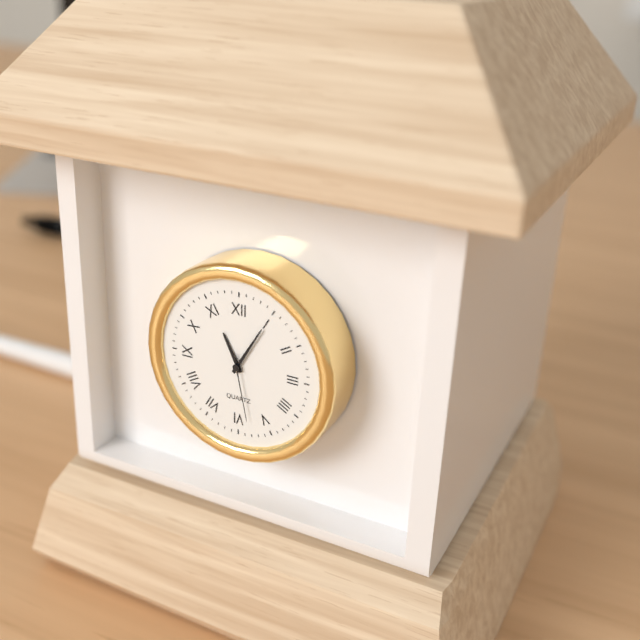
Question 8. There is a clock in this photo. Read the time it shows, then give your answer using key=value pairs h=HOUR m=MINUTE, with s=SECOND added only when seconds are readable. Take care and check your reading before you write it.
h=11 m=5 s=28
